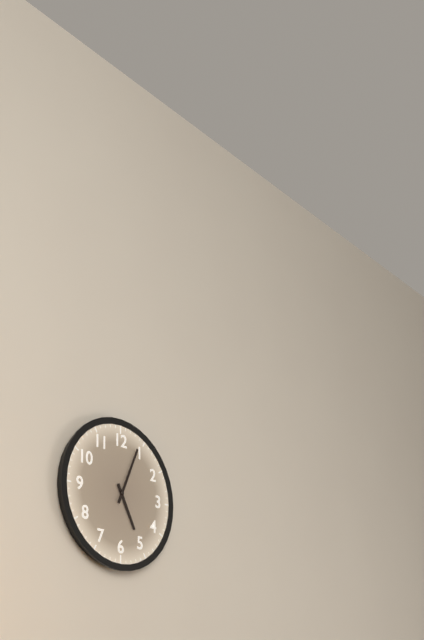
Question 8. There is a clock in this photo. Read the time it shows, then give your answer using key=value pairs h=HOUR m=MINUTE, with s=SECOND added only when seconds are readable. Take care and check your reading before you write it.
h=5 m=4
